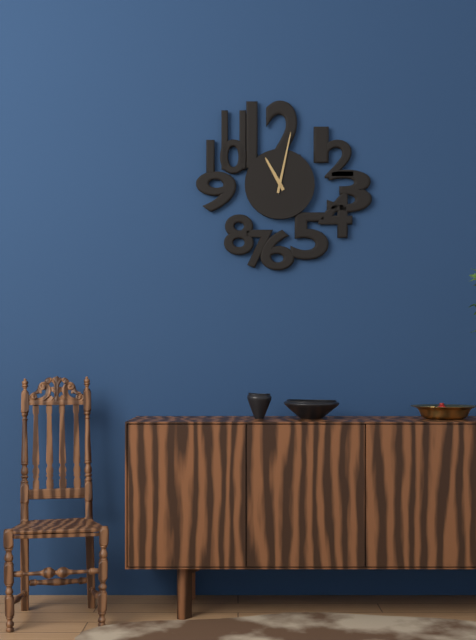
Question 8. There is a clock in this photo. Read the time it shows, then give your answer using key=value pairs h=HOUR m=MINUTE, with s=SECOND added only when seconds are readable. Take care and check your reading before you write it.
h=11 m=2
